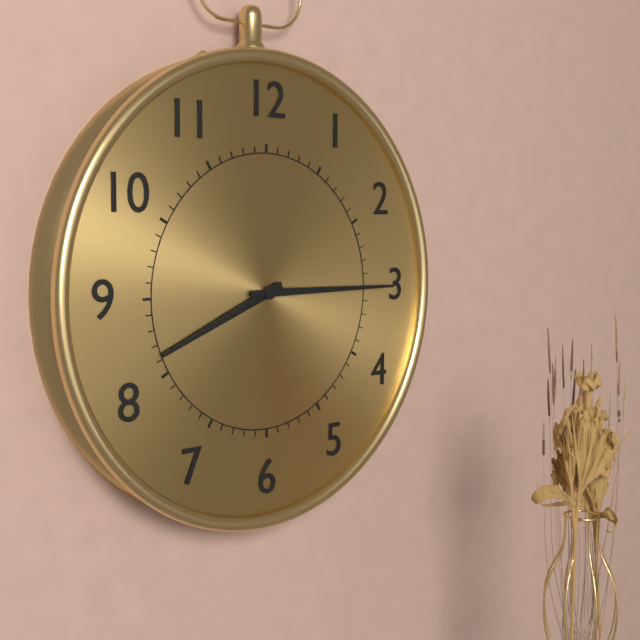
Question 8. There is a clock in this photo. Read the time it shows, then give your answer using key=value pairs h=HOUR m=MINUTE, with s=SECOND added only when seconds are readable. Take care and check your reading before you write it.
h=8 m=15
